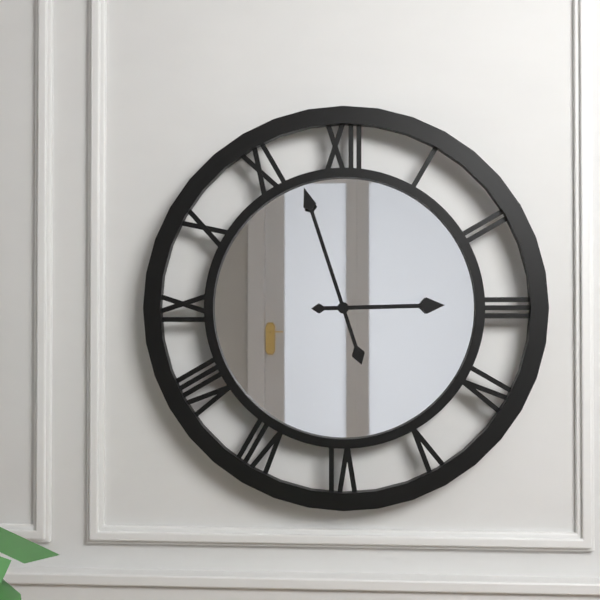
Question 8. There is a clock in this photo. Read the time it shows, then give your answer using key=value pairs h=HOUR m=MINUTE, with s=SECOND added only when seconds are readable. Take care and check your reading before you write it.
h=2 m=57
